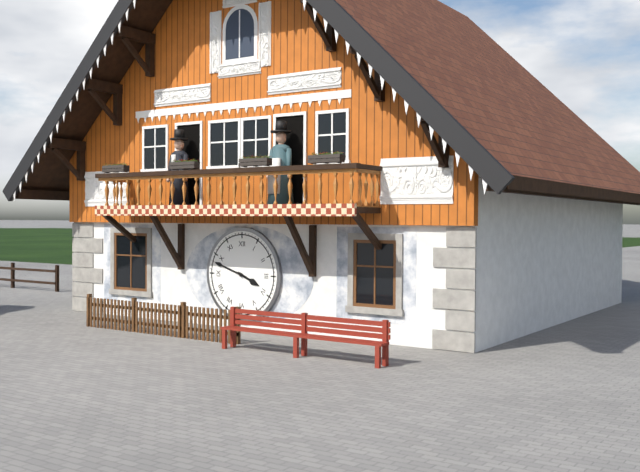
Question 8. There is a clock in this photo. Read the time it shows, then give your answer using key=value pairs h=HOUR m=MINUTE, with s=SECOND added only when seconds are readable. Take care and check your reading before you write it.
h=3 m=48
